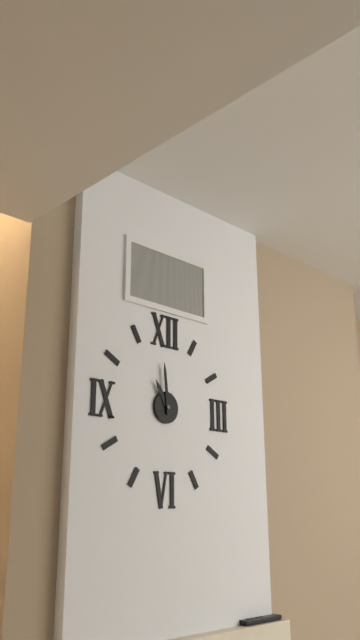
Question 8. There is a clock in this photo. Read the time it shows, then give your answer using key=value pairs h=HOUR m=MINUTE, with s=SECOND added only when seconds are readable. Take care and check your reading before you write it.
h=10 m=59
